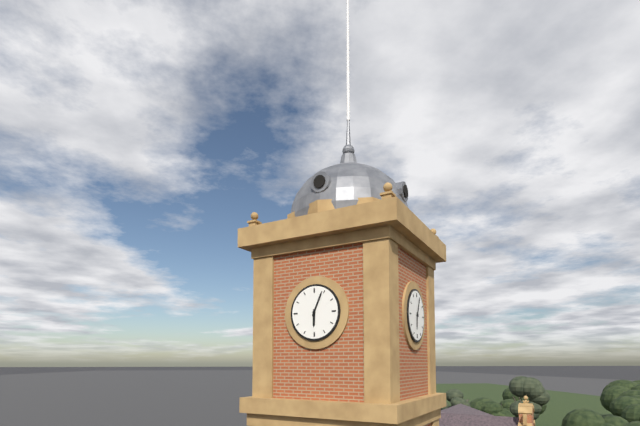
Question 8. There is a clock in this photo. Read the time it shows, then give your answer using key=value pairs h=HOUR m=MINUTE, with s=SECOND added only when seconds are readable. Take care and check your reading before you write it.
h=6 m=4
